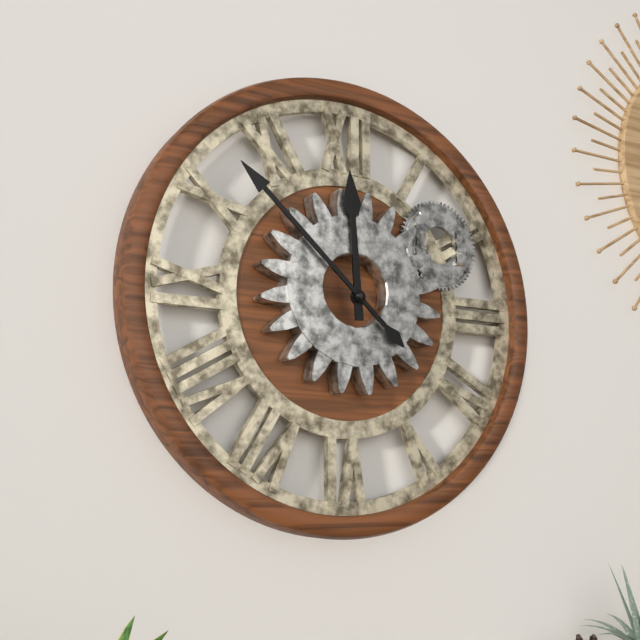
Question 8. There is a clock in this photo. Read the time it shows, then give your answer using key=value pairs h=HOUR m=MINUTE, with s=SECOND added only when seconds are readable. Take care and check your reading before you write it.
h=11 m=52
